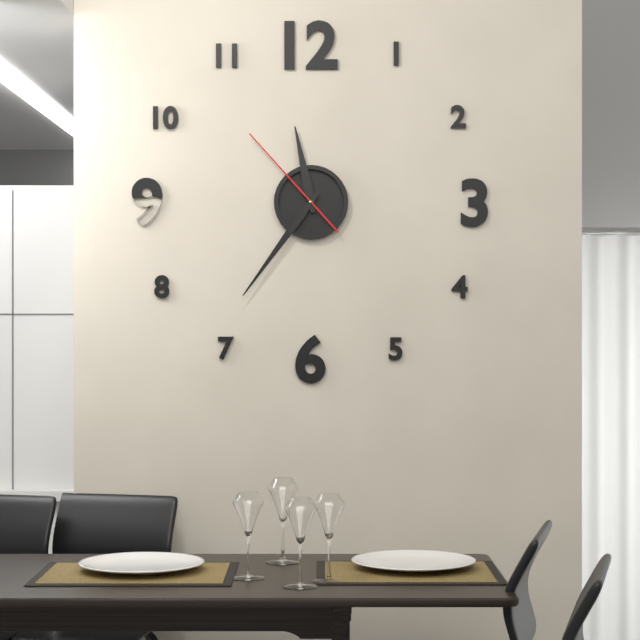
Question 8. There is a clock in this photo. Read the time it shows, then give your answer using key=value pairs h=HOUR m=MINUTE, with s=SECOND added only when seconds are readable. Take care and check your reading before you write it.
h=11 m=36 s=53
